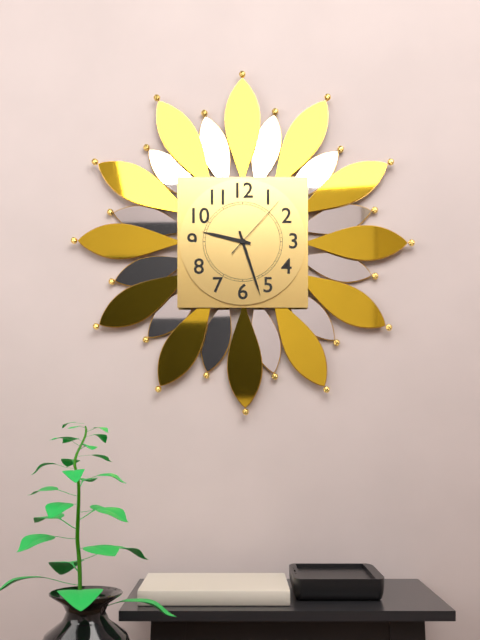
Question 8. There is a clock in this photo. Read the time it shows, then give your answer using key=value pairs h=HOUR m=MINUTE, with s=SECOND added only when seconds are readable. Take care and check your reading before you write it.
h=9 m=27 s=7
